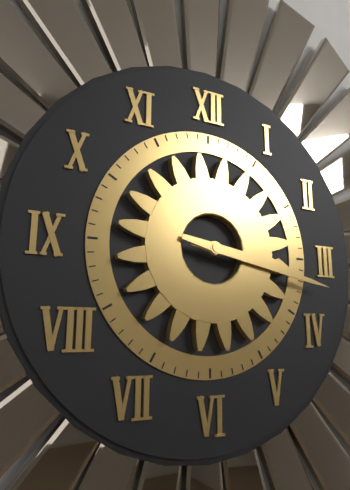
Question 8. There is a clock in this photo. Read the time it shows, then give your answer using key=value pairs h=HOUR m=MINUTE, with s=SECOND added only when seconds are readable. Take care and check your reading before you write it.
h=3 m=17
